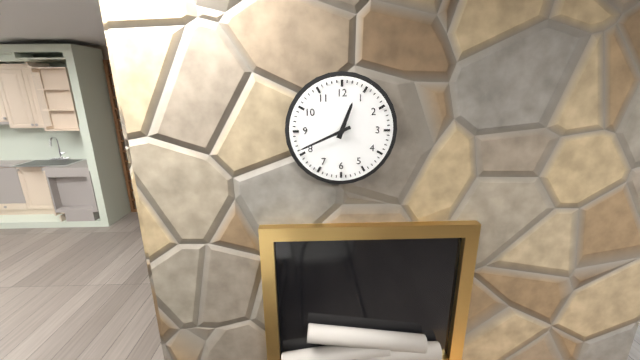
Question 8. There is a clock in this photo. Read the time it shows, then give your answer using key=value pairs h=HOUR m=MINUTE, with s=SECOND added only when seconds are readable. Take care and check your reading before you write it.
h=12 m=41
